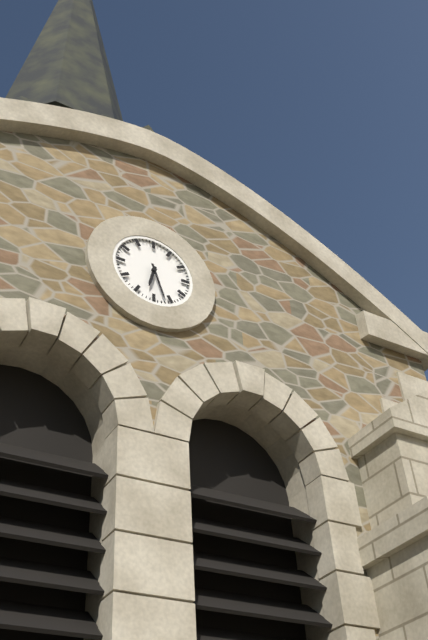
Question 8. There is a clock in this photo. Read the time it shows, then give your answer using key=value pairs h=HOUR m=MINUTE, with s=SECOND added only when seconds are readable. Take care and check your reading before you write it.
h=6 m=27
